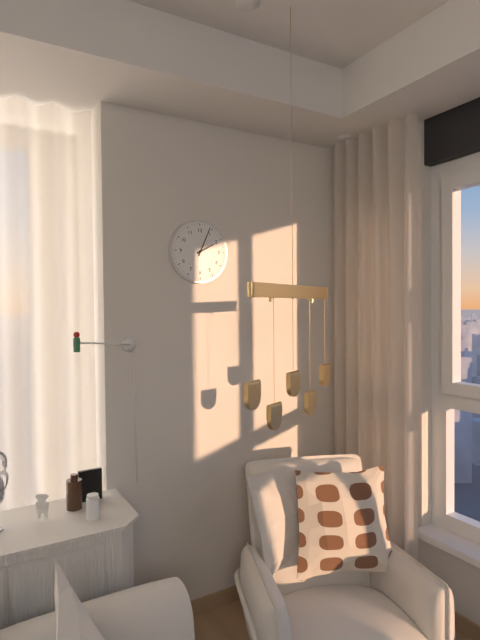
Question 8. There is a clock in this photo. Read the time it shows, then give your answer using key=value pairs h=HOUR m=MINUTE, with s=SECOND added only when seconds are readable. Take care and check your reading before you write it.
h=2 m=4
